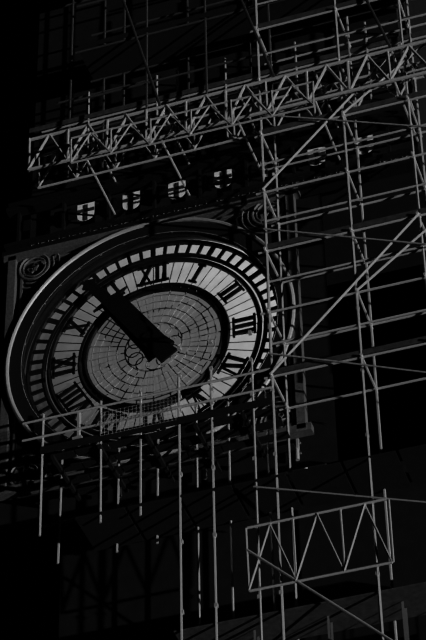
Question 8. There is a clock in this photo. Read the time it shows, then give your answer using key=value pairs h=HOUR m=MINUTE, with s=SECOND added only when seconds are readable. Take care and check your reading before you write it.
h=10 m=54
